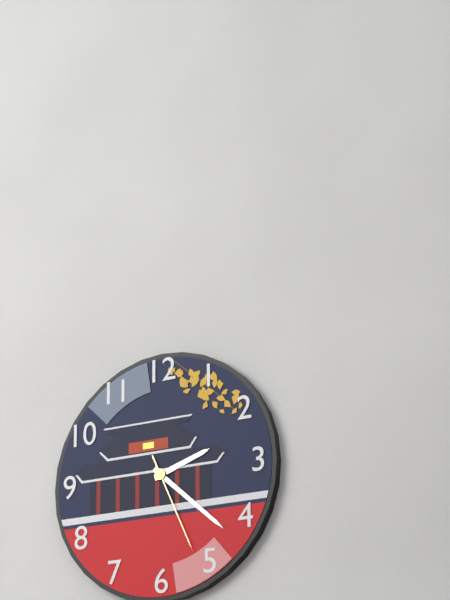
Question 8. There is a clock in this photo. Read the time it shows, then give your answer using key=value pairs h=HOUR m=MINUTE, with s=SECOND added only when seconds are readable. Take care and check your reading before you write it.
h=2 m=22 s=26
